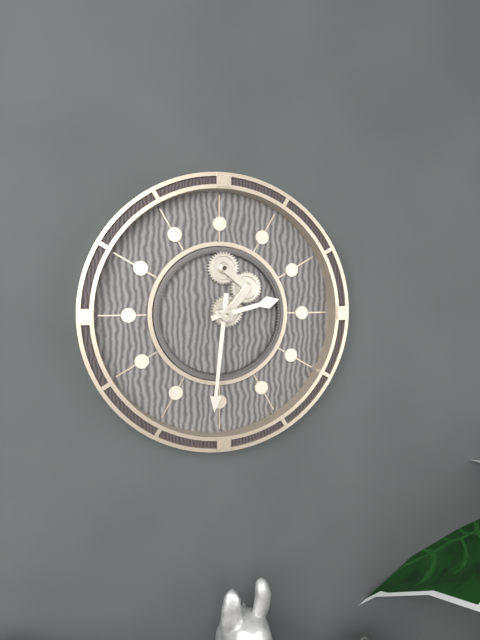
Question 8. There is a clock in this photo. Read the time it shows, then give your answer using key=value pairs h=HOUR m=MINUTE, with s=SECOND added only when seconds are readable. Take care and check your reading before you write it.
h=2 m=31
